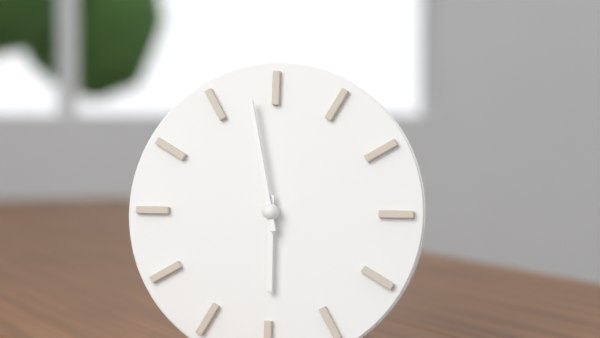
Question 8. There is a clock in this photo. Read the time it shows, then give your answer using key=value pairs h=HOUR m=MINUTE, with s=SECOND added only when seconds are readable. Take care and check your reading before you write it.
h=5 m=58
